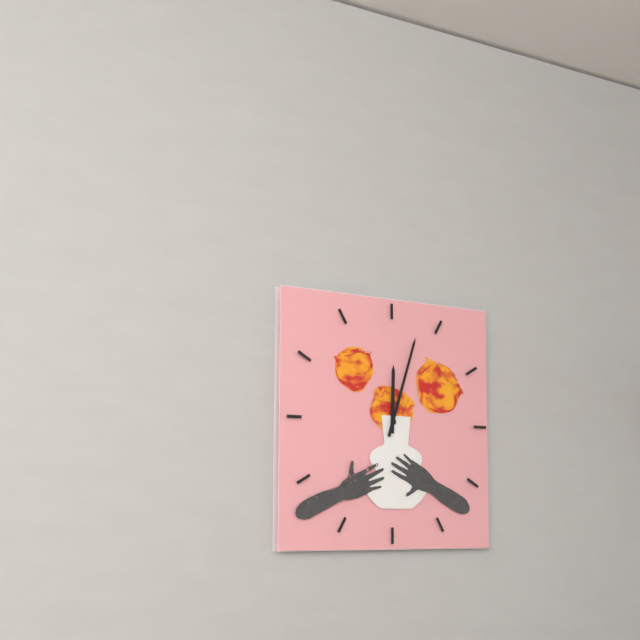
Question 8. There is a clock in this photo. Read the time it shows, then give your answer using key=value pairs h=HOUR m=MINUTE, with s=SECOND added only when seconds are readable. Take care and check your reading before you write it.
h=12 m=3
